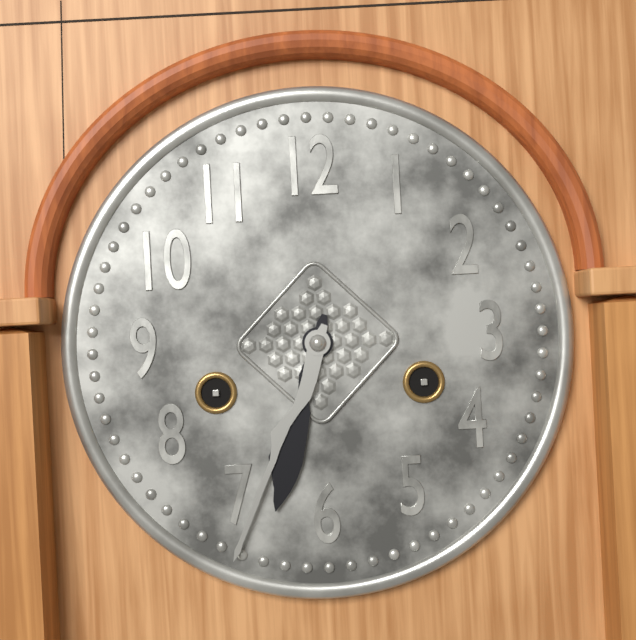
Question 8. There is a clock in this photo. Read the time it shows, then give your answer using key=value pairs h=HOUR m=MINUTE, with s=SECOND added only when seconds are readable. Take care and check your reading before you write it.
h=6 m=34
